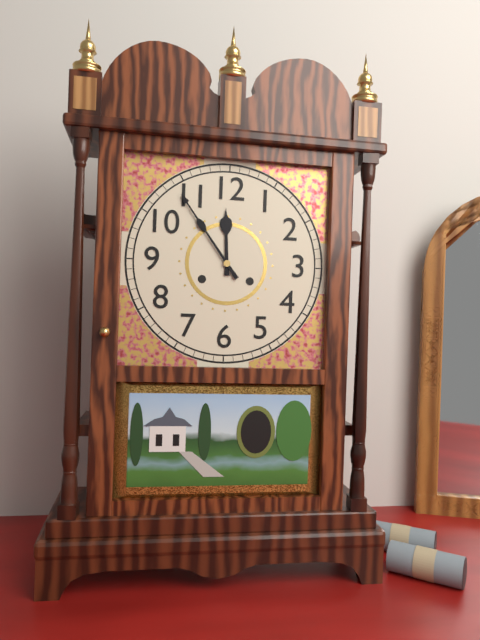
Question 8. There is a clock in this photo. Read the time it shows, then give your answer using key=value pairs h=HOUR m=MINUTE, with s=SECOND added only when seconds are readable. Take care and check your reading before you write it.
h=11 m=54
